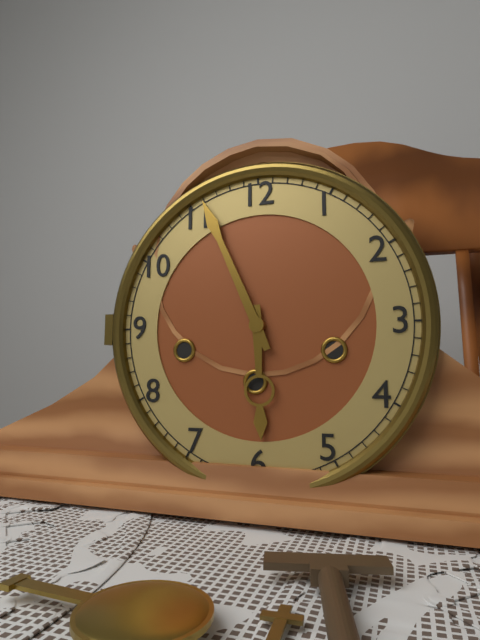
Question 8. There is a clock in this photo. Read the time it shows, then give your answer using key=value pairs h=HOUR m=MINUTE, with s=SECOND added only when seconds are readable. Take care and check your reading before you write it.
h=5 m=56
